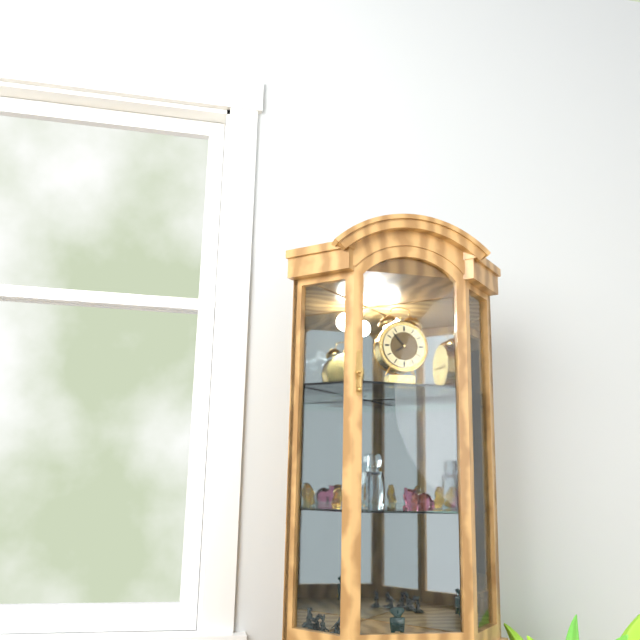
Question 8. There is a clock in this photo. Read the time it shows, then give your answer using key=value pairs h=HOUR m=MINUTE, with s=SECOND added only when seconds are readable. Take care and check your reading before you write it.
h=7 m=53
